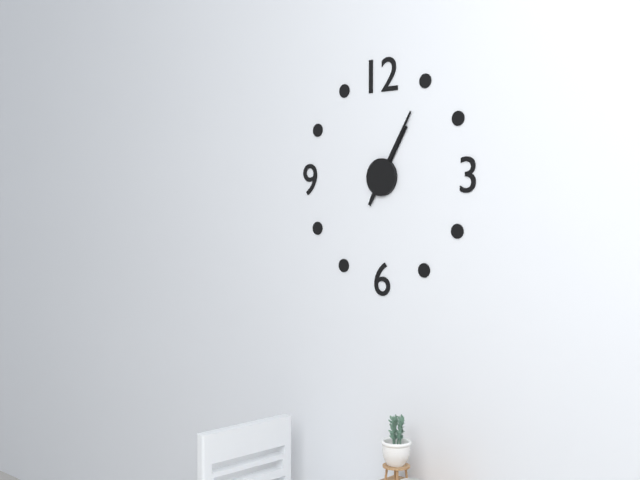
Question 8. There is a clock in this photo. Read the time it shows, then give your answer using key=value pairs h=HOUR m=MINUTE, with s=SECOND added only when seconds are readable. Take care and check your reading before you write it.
h=1 m=5
